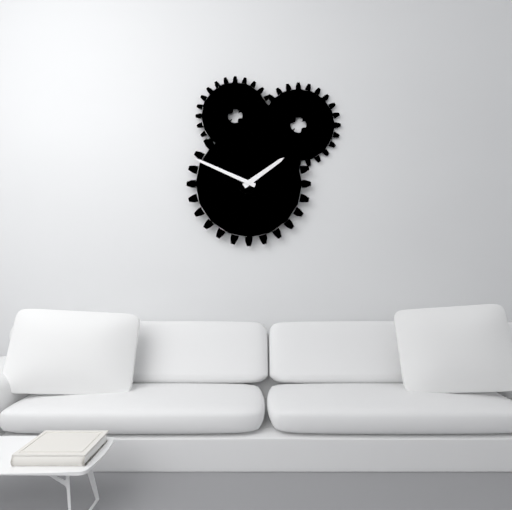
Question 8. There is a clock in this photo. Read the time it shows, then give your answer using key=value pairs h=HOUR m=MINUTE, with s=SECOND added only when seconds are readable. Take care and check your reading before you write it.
h=1 m=49
